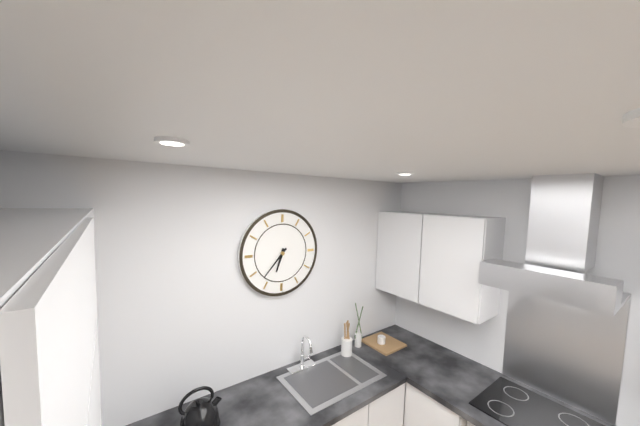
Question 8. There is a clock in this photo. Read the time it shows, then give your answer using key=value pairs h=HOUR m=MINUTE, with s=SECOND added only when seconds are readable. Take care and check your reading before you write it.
h=6 m=37
